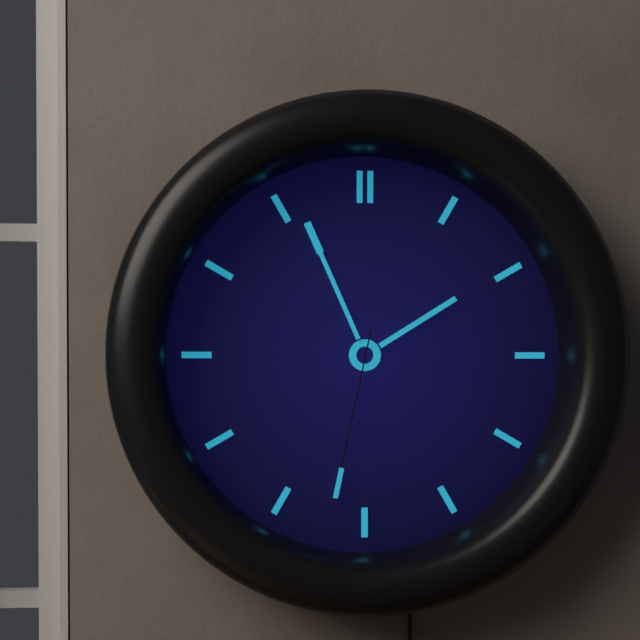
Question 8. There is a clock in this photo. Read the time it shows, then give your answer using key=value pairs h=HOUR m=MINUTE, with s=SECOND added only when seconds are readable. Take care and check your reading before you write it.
h=1 m=56 s=32
